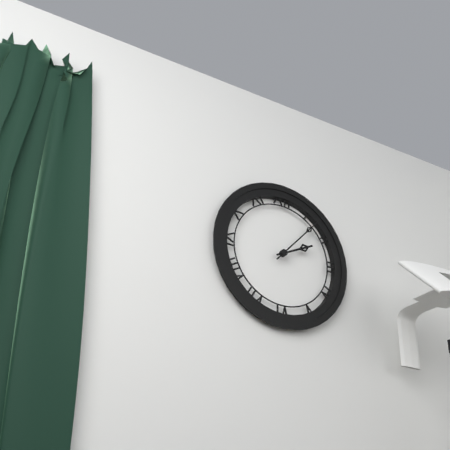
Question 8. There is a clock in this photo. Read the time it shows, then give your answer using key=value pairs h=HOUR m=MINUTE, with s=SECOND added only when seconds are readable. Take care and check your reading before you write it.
h=2 m=7
